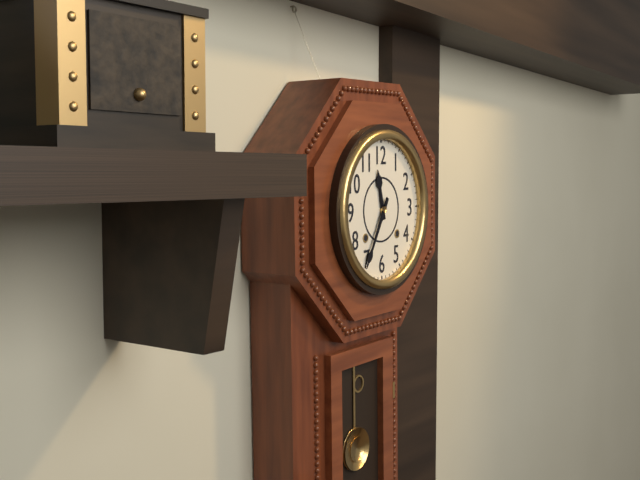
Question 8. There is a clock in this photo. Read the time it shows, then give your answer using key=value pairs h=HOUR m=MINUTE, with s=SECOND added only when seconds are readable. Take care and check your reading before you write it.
h=11 m=35
